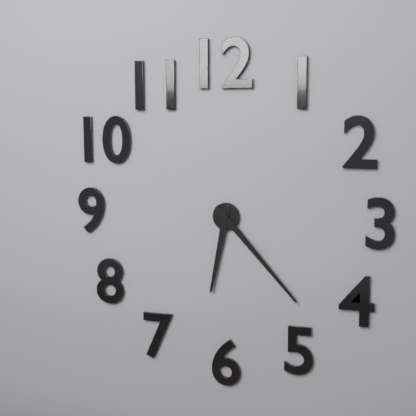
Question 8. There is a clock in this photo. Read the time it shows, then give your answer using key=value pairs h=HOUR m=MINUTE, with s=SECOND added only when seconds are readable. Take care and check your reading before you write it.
h=6 m=23
